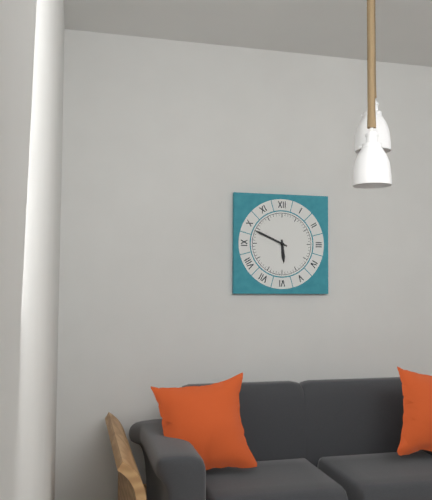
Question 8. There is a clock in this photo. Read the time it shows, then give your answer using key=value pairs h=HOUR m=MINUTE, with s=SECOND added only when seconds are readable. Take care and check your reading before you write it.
h=5 m=49
